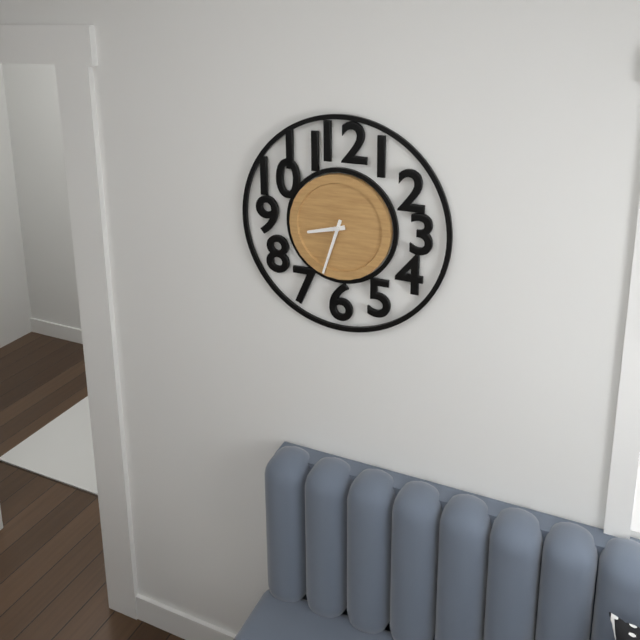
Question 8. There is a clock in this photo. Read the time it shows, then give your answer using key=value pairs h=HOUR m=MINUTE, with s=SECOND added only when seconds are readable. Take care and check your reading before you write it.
h=8 m=33
